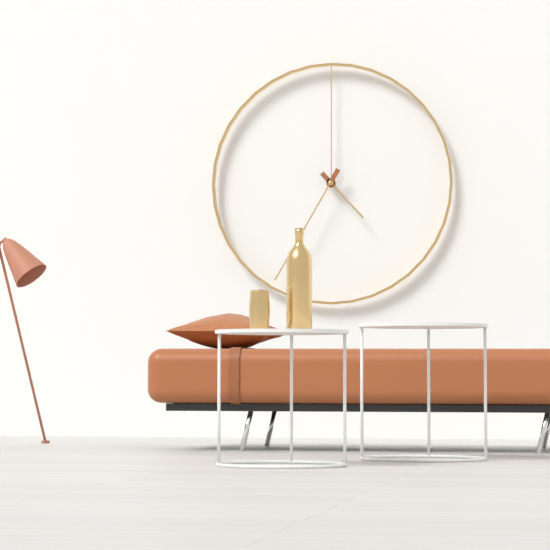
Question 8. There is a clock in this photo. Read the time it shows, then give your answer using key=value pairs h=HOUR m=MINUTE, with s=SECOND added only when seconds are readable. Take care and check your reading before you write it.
h=4 m=35
